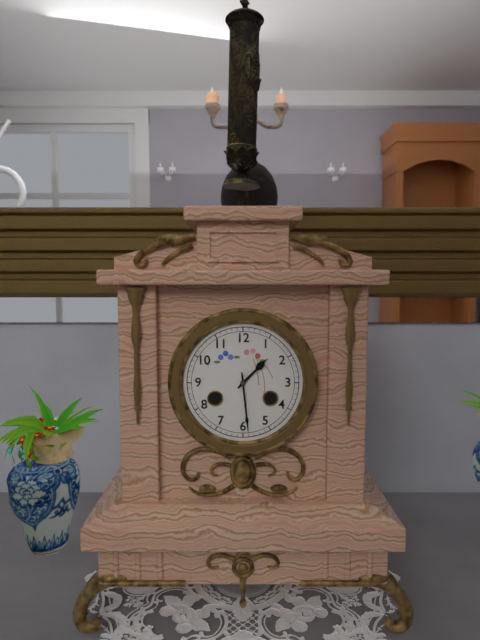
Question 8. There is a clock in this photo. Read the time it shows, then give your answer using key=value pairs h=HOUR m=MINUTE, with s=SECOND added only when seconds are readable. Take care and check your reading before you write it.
h=1 m=29
